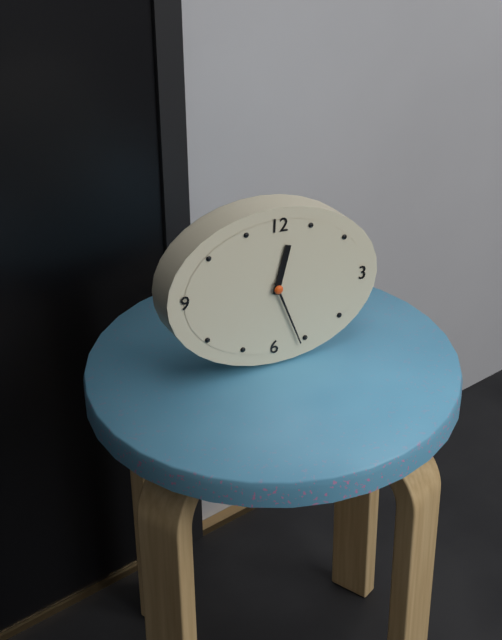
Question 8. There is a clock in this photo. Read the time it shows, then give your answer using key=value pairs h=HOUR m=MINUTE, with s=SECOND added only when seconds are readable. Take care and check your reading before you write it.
h=12 m=26
